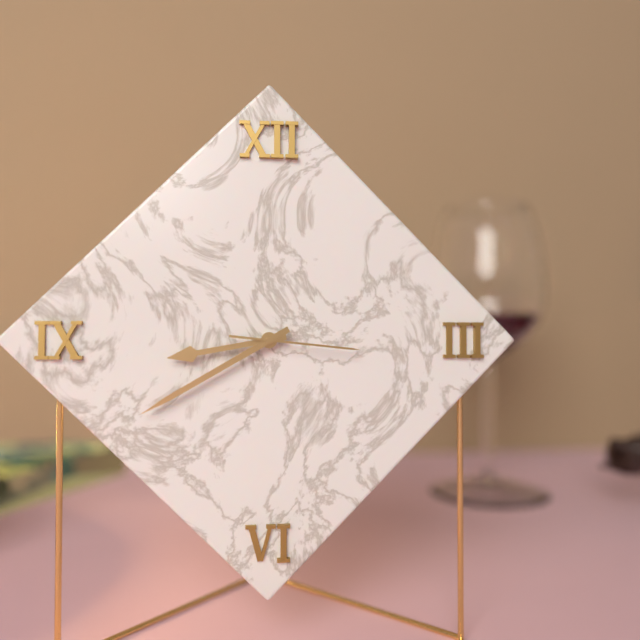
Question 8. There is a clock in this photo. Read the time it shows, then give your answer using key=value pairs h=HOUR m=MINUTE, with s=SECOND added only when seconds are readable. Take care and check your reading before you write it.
h=8 m=40 s=16
